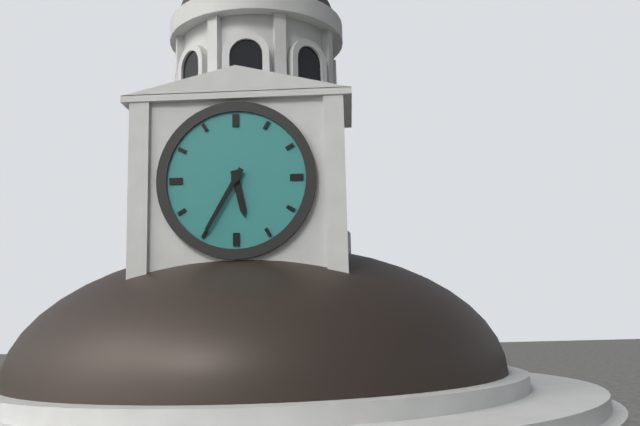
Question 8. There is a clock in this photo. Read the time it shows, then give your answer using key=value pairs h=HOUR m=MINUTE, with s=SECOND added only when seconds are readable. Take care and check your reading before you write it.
h=5 m=35
